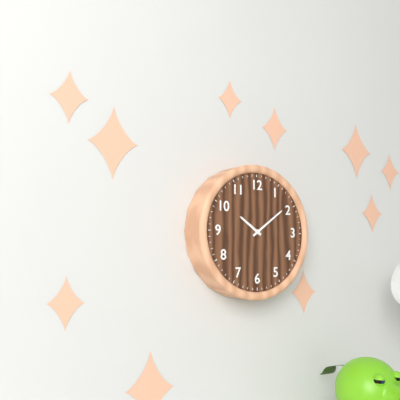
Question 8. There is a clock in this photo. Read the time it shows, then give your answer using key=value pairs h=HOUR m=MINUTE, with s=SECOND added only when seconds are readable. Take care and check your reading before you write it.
h=10 m=9
